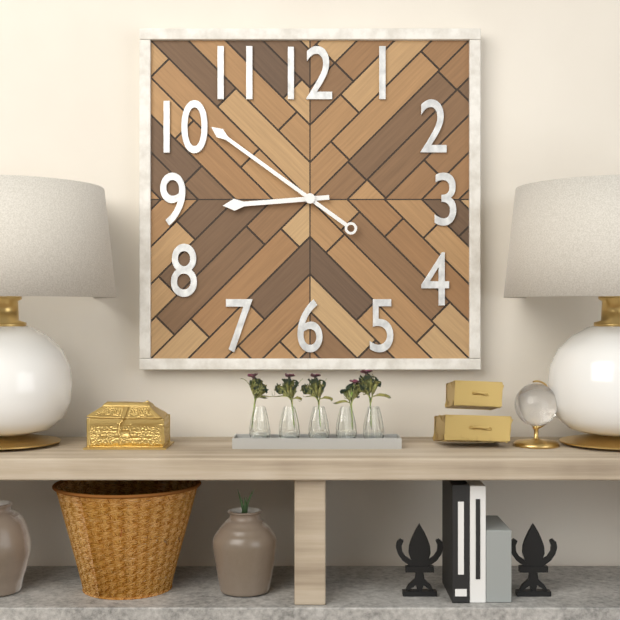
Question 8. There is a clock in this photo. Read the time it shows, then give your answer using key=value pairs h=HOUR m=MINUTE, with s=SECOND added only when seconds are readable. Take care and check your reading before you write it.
h=8 m=51
